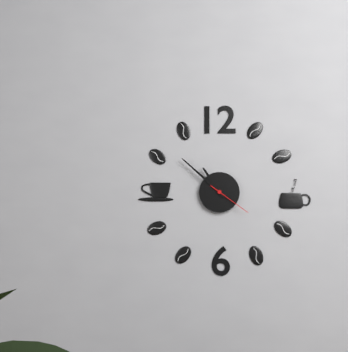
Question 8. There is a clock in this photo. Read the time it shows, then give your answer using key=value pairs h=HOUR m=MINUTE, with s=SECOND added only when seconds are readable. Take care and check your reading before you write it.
h=10 m=52
